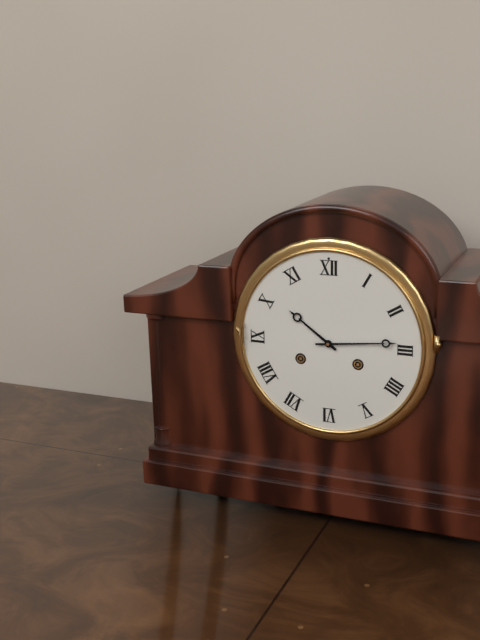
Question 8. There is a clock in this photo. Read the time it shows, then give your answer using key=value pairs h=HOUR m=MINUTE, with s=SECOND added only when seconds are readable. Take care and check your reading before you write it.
h=10 m=14
